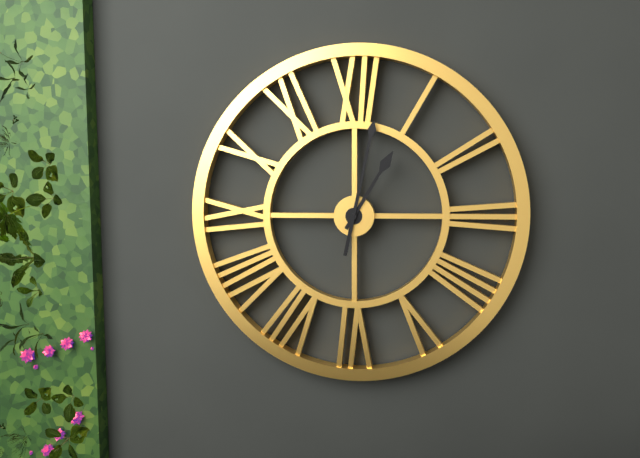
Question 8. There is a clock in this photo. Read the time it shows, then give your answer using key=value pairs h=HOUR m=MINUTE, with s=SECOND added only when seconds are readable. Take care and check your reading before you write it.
h=1 m=2
